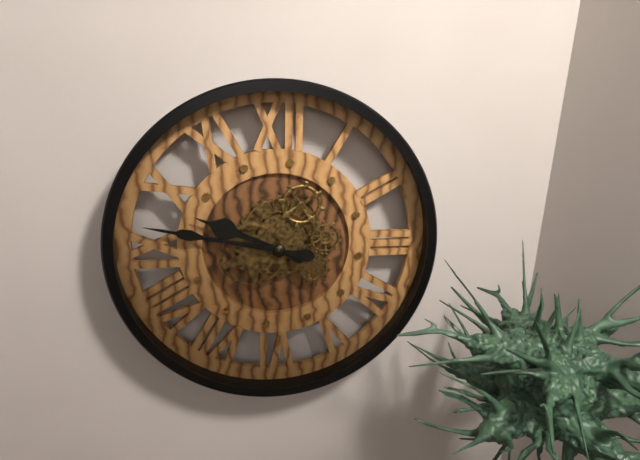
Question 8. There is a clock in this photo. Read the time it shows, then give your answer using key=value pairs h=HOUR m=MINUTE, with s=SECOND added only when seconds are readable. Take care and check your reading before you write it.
h=9 m=47
